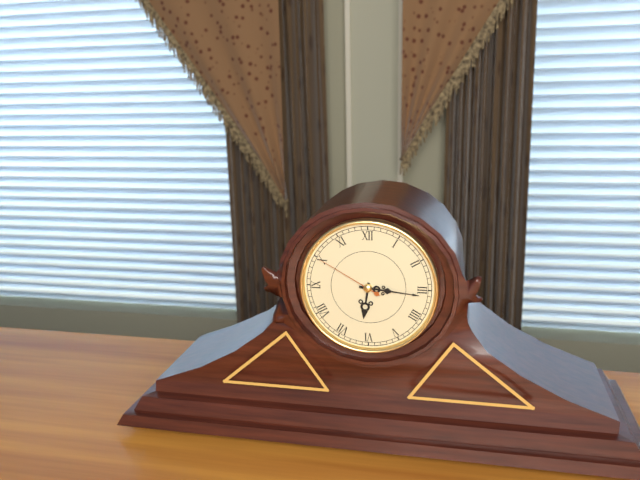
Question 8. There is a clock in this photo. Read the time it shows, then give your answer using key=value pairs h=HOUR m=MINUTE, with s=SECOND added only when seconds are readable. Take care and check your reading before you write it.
h=6 m=16 s=50
